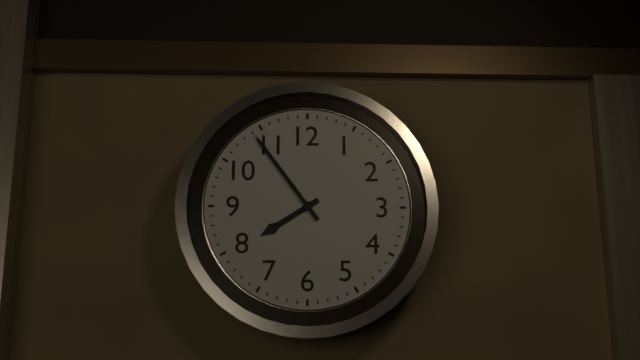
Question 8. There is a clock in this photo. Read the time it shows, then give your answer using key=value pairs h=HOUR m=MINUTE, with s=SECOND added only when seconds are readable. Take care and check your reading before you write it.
h=7 m=54
